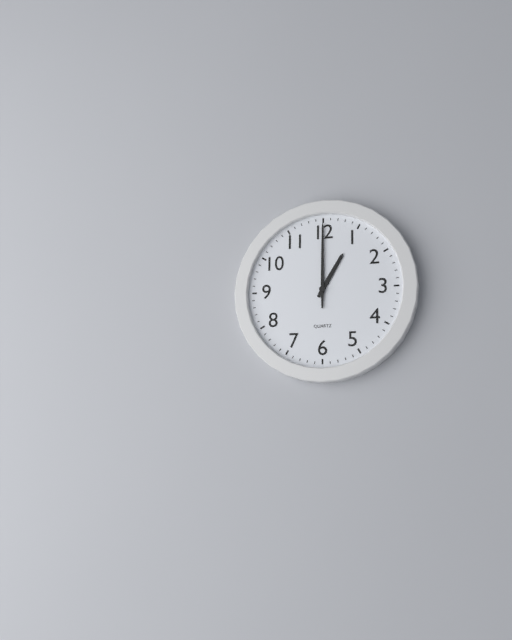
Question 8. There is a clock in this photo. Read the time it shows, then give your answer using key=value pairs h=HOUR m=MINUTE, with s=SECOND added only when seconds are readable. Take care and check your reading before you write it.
h=1 m=0
